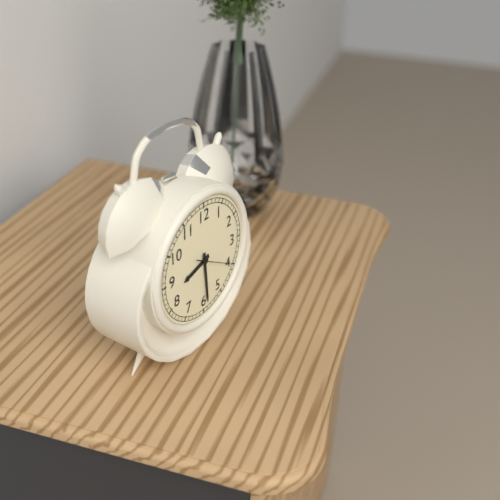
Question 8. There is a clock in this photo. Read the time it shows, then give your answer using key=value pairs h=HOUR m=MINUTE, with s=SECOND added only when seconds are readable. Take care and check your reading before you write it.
h=8 m=29
